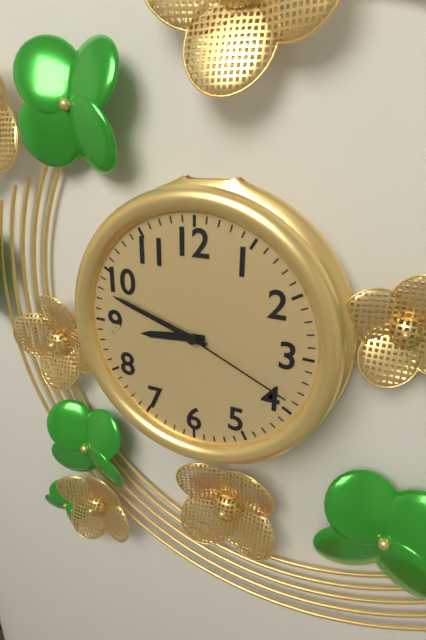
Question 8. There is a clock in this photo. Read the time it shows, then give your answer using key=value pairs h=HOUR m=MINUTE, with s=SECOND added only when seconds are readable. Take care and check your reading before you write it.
h=8 m=48 s=19
